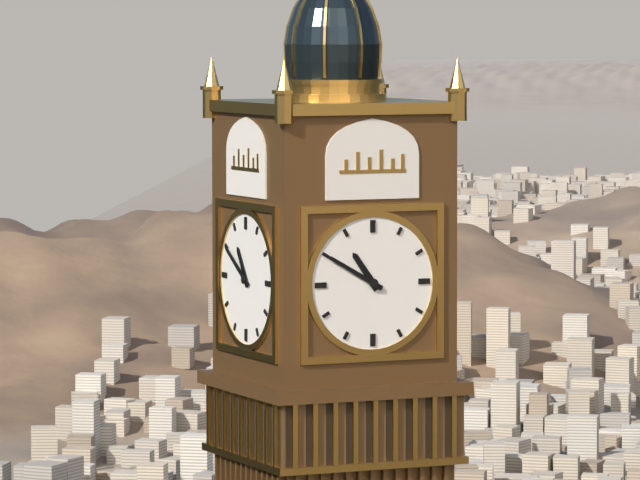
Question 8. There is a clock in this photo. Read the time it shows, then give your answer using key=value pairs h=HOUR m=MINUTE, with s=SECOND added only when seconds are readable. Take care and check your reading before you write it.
h=10 m=50
